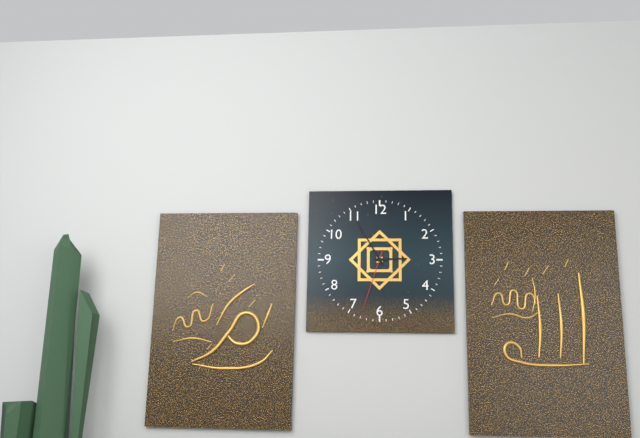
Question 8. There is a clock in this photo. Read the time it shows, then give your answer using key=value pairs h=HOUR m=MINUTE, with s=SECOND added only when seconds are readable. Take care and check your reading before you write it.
h=2 m=55 s=33
